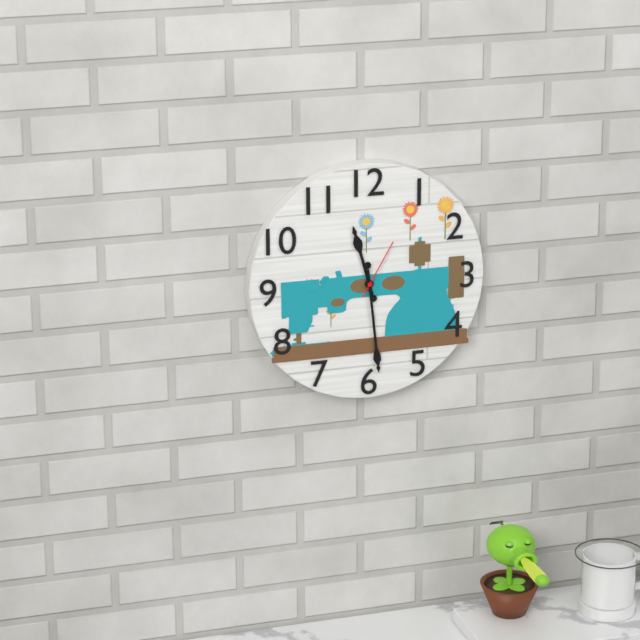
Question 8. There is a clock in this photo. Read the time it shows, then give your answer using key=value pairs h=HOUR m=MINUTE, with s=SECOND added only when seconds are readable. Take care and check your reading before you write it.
h=11 m=29 s=5
